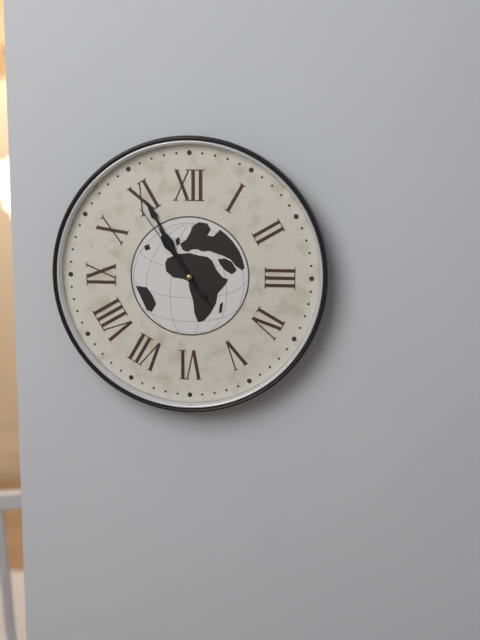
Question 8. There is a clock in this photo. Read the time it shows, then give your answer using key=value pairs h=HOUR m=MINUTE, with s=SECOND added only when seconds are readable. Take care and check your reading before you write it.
h=10 m=55 s=54
